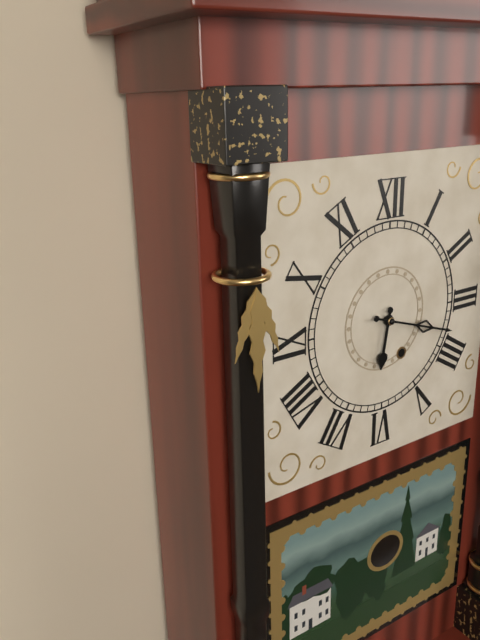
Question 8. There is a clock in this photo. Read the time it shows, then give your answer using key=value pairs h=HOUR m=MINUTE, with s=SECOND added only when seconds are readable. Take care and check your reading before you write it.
h=6 m=18
